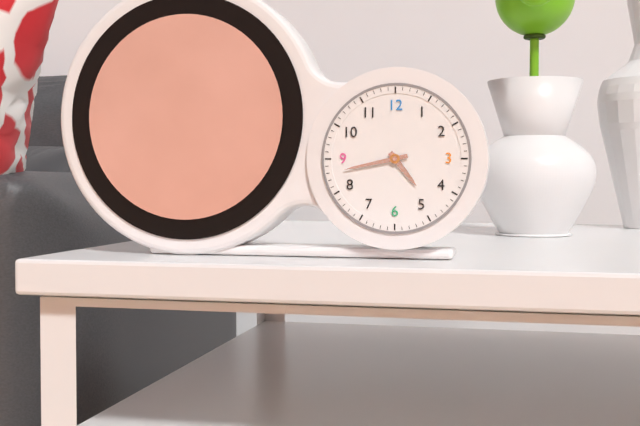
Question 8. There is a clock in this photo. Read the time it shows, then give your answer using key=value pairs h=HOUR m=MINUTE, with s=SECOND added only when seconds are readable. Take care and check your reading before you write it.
h=4 m=43
